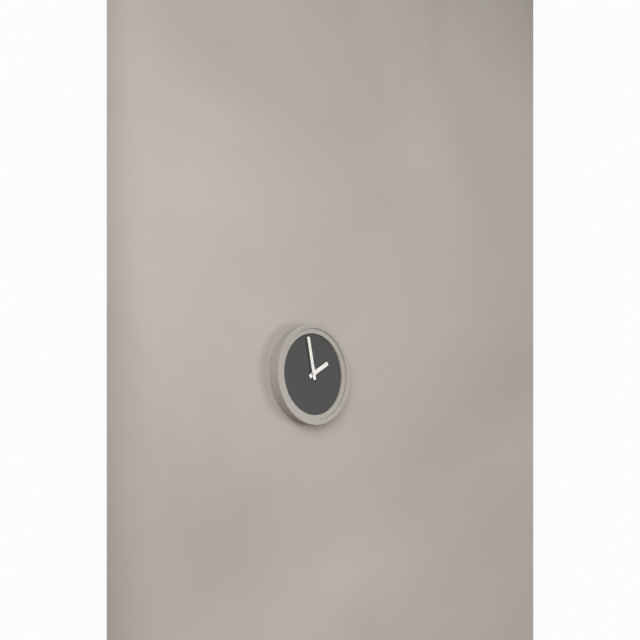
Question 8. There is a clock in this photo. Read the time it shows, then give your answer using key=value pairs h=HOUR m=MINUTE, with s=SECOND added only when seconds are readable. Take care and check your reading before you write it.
h=1 m=58
